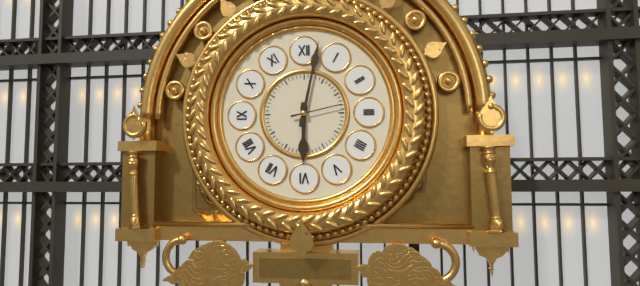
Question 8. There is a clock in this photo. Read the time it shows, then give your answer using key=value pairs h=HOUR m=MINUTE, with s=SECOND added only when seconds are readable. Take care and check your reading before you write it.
h=6 m=2 s=13
